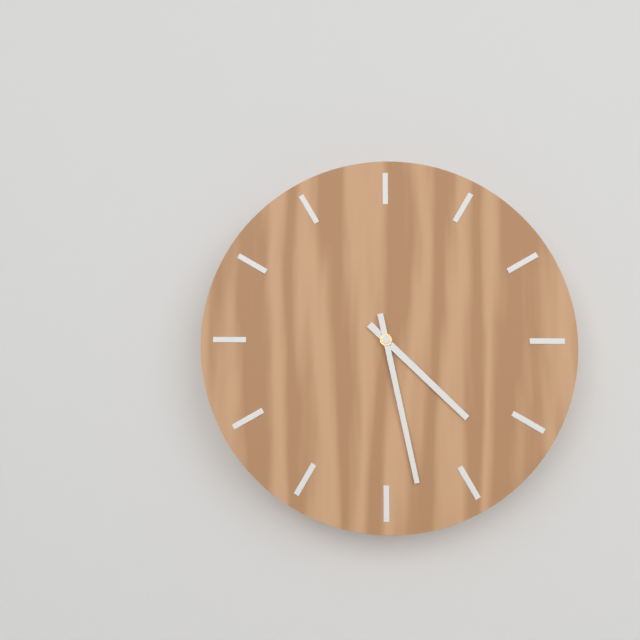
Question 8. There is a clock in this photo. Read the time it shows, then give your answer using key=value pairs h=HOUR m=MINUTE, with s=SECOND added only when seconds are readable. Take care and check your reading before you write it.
h=4 m=28
